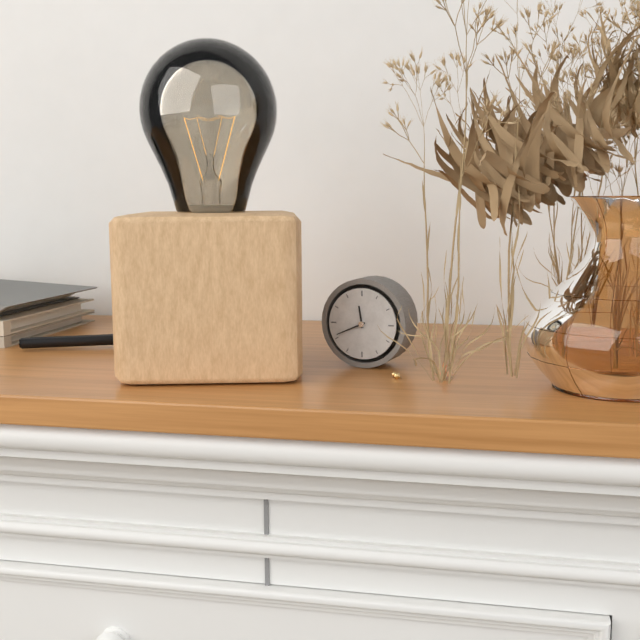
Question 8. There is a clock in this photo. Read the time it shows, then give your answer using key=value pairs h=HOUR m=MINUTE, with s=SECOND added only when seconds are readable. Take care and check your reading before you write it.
h=11 m=41
